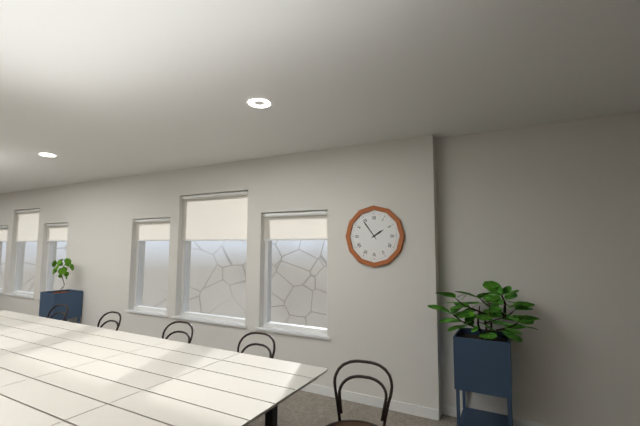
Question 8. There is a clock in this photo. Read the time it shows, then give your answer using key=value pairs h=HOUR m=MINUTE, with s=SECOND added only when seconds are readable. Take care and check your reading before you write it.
h=1 m=54
